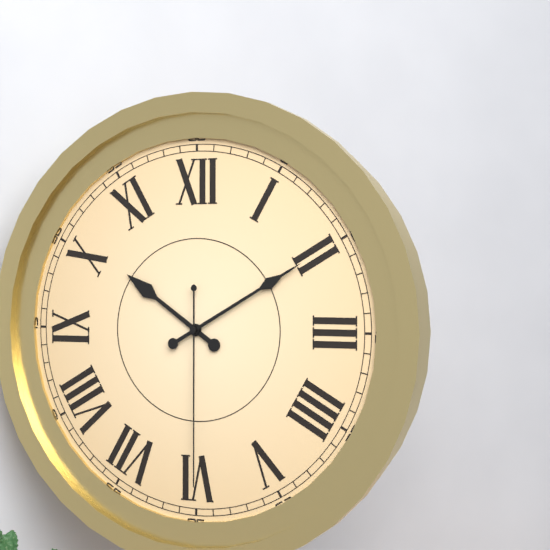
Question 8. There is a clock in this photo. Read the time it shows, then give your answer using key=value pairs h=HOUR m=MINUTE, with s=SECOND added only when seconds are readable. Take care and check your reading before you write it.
h=10 m=10 s=30
